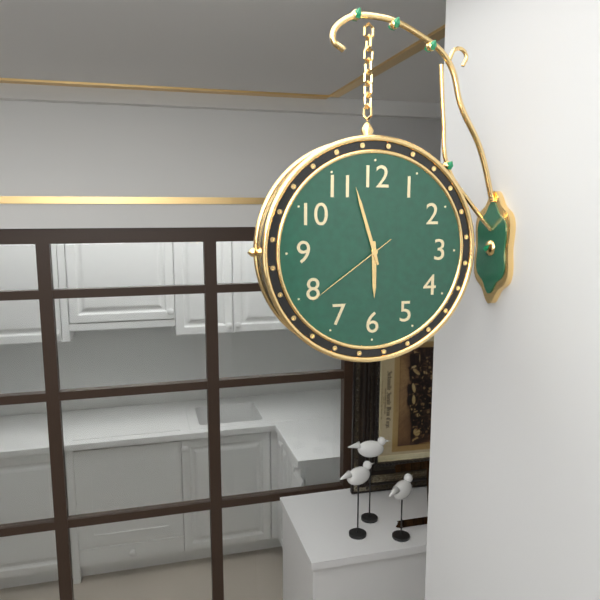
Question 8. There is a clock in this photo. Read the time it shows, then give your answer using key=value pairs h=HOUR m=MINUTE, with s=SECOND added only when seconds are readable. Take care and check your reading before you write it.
h=5 m=57 s=39
